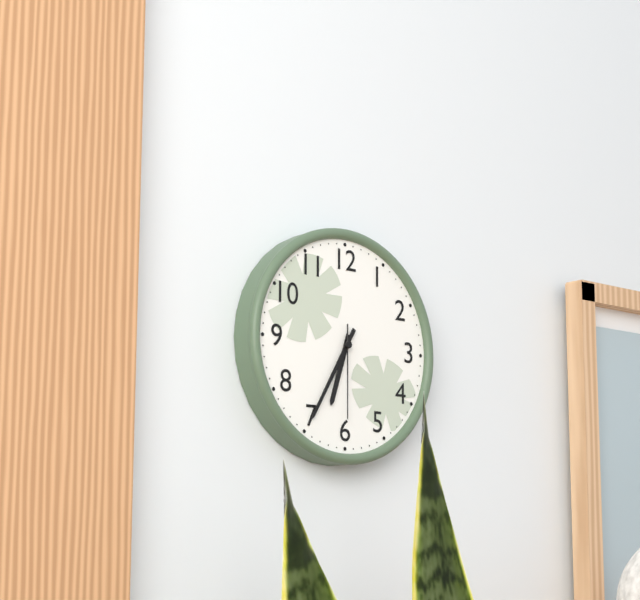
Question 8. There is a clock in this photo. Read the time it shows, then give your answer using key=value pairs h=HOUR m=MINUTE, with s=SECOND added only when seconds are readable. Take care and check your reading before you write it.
h=6 m=35 s=30
